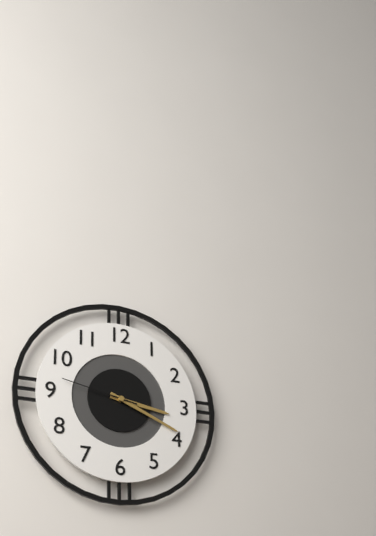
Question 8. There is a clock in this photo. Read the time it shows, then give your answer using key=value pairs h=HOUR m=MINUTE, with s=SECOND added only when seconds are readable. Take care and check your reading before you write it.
h=3 m=19 s=47
